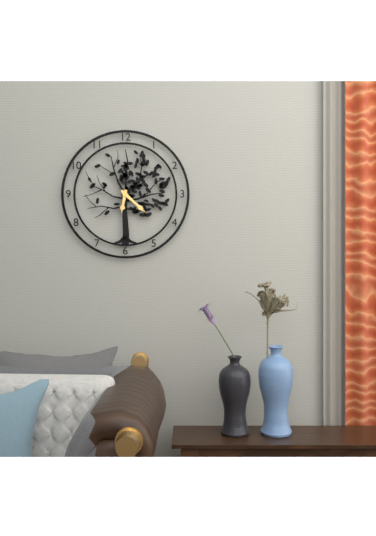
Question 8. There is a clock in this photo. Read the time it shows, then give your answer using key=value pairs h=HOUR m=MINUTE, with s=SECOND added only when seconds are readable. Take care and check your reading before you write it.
h=6 m=22
